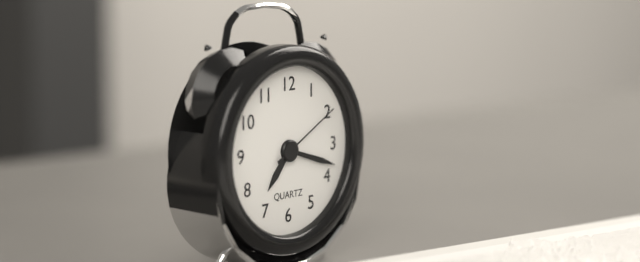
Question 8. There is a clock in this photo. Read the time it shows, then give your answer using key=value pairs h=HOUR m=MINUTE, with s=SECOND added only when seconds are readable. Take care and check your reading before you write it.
h=7 m=18 s=10
